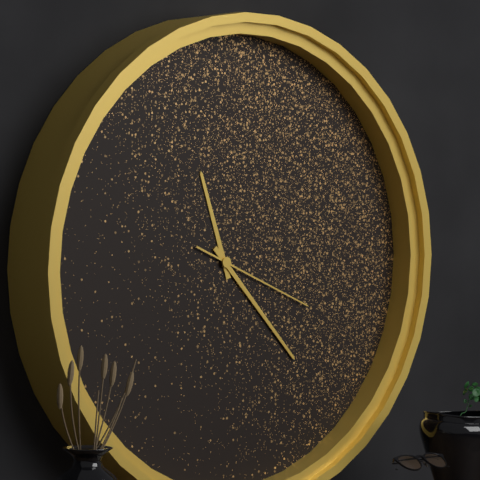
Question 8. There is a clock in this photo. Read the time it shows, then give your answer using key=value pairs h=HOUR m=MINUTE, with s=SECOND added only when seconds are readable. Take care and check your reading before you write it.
h=11 m=23 s=19
